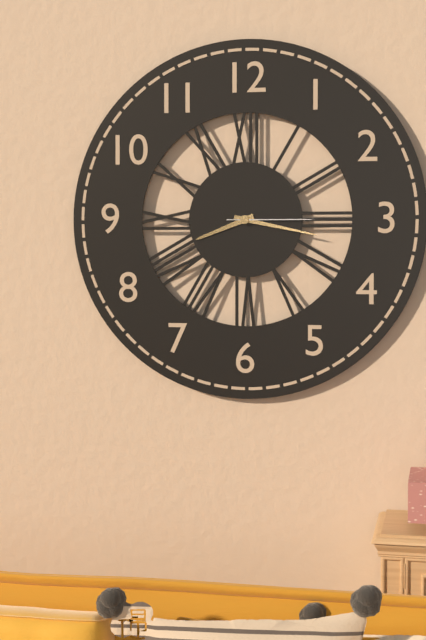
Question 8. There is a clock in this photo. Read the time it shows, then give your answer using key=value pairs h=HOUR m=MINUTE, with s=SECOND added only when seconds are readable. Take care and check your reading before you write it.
h=8 m=17 s=15
